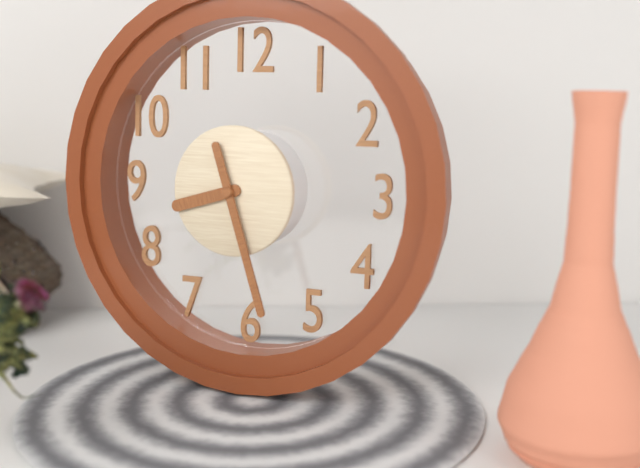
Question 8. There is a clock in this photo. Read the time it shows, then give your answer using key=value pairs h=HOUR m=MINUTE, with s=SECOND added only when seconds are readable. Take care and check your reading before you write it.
h=8 m=27
